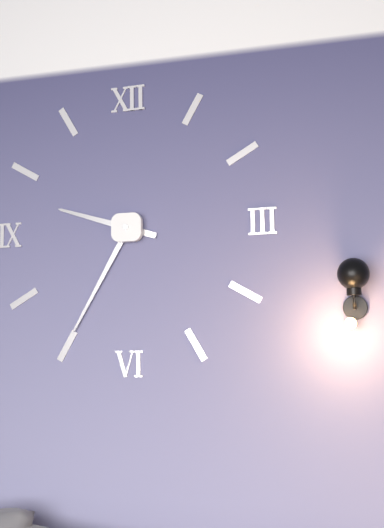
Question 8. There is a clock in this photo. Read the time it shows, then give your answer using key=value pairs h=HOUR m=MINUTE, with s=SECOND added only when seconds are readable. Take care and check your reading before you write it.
h=9 m=35
